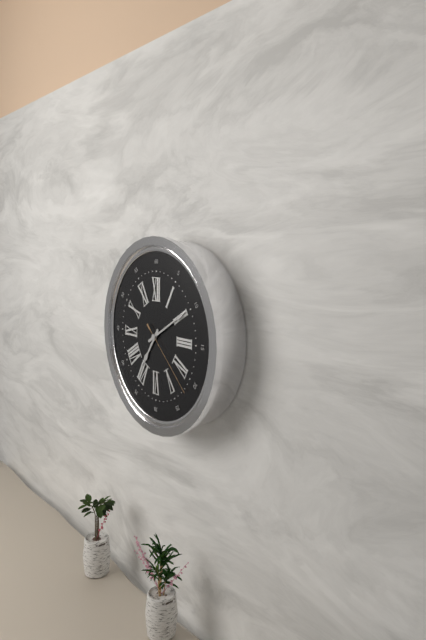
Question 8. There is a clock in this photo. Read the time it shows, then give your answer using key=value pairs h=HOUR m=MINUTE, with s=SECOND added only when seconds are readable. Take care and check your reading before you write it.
h=7 m=10 s=22
